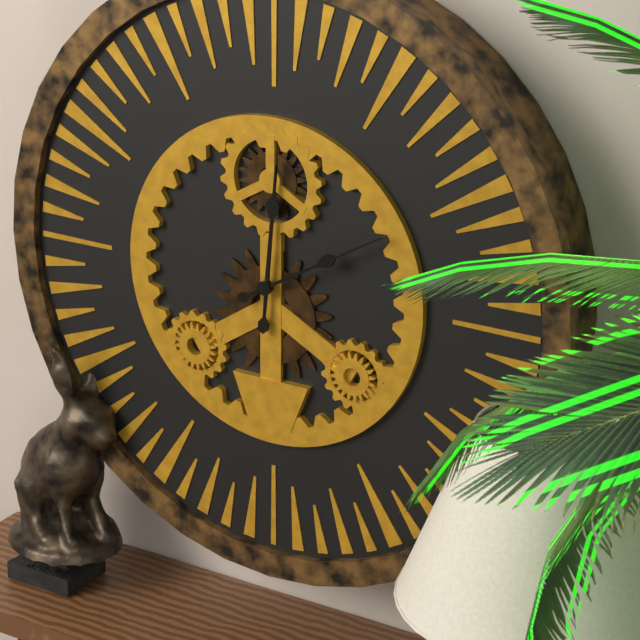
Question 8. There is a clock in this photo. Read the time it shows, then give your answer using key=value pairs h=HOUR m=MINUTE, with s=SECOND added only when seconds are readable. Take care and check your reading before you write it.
h=12 m=10
